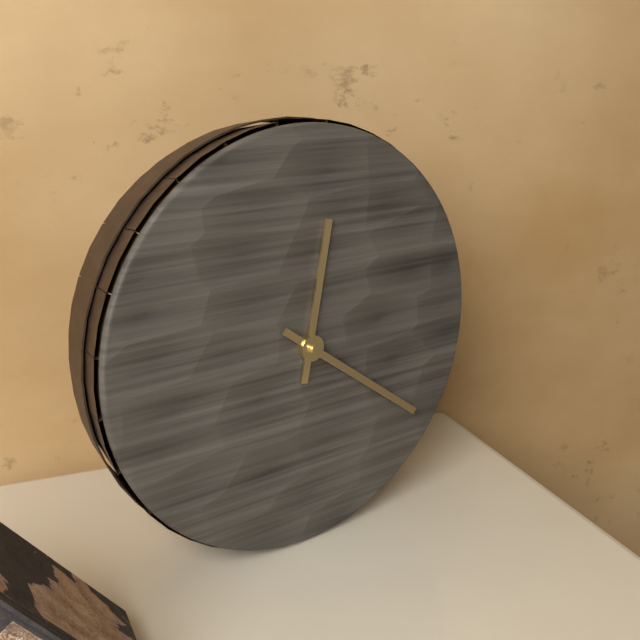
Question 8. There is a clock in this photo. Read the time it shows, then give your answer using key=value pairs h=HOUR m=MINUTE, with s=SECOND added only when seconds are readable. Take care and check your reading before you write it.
h=12 m=21
